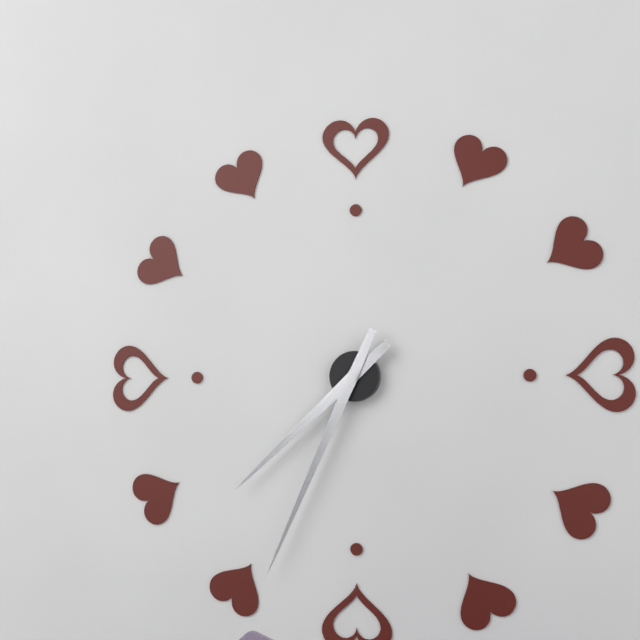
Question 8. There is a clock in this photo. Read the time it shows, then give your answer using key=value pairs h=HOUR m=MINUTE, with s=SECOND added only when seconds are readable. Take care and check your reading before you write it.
h=7 m=34
